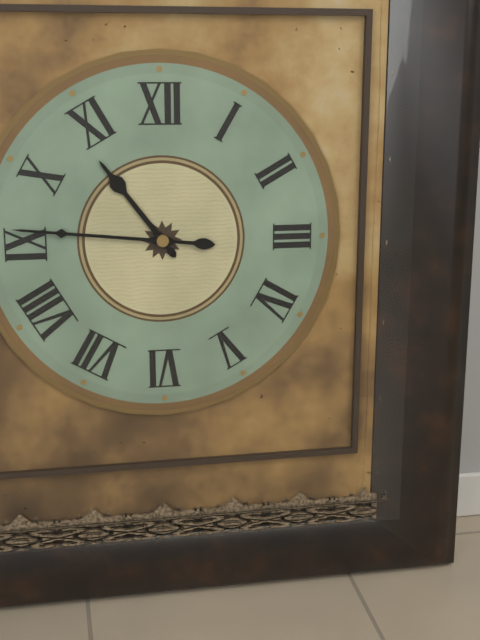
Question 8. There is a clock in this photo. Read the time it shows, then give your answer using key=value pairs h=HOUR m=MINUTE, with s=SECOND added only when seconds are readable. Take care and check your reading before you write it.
h=10 m=46
